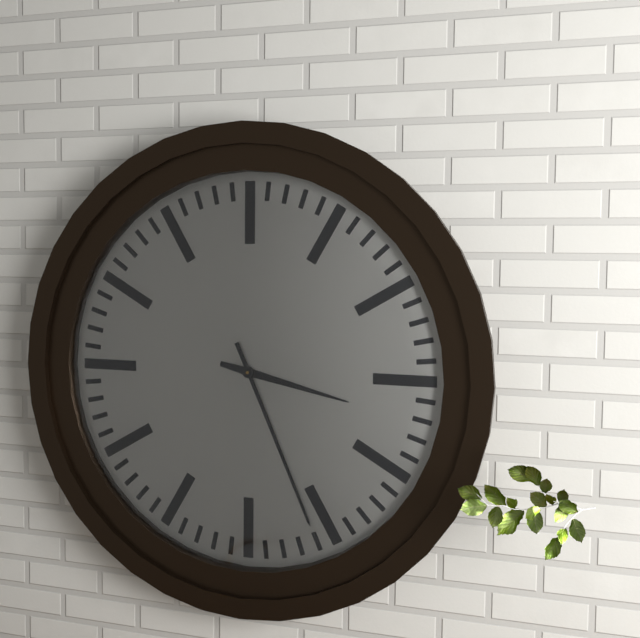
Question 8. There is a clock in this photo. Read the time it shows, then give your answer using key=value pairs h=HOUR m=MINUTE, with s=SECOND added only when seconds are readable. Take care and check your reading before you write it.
h=3 m=26
